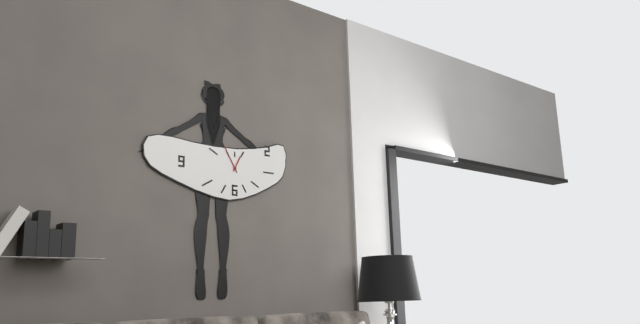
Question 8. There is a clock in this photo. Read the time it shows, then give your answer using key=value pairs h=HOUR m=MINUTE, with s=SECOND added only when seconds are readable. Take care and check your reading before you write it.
h=12 m=55
